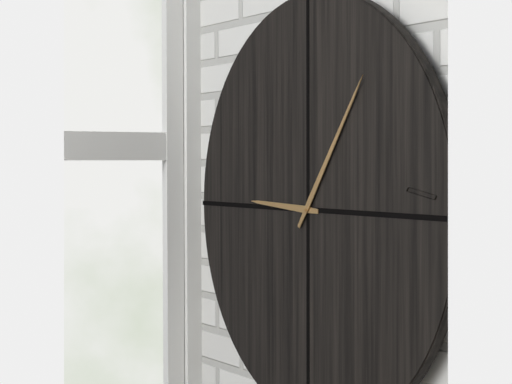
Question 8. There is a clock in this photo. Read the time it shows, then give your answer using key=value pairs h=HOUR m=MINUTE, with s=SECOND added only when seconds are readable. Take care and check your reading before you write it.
h=9 m=6
